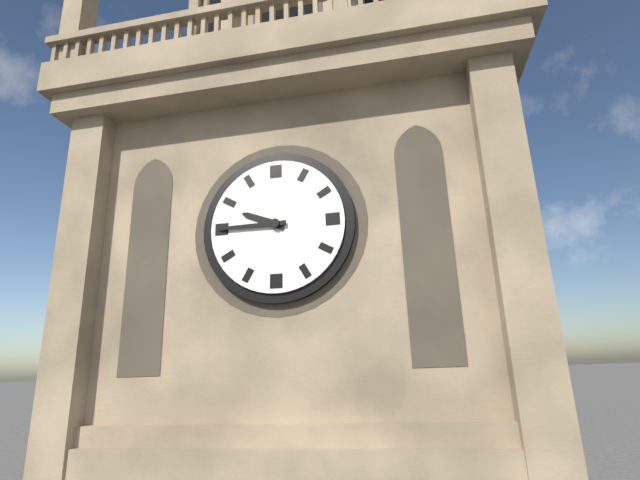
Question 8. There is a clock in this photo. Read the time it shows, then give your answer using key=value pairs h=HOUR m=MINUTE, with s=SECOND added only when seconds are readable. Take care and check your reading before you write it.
h=9 m=45
